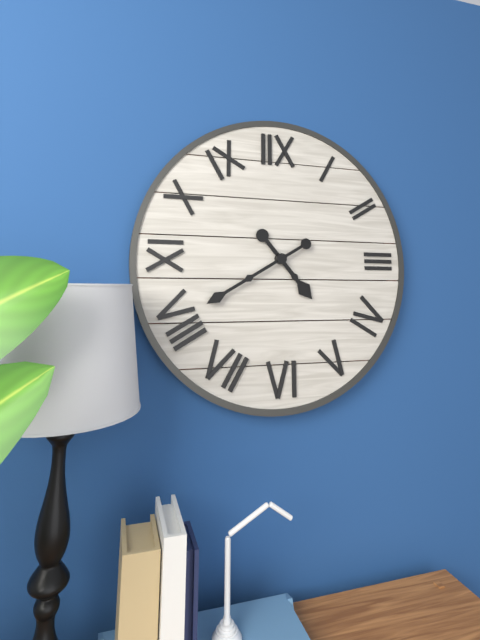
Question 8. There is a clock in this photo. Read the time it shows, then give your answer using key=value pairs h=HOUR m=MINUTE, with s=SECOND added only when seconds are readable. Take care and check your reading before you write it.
h=4 m=40
